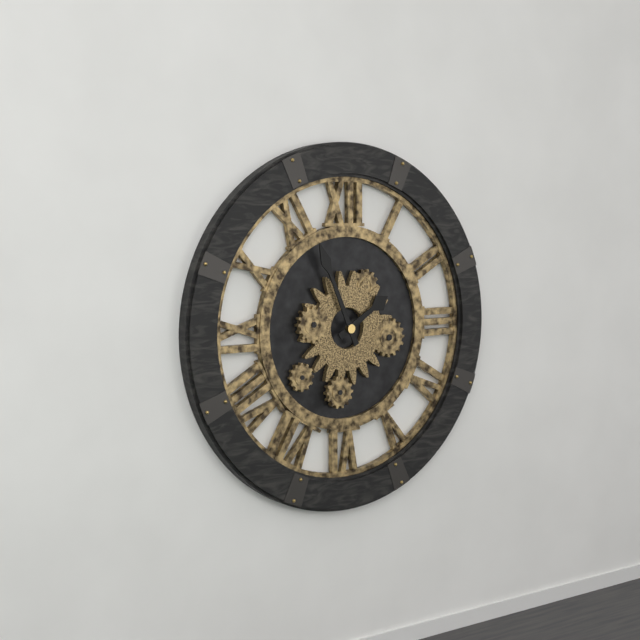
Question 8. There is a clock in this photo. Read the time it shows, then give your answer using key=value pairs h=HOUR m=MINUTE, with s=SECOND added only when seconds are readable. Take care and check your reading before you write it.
h=1 m=56
